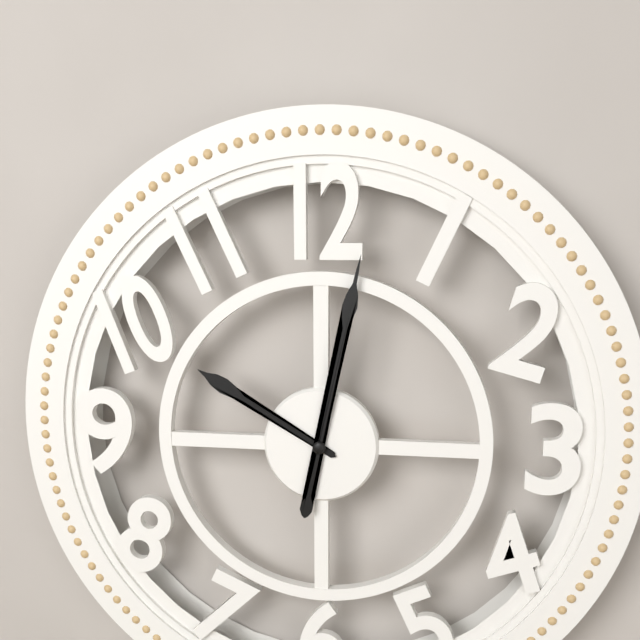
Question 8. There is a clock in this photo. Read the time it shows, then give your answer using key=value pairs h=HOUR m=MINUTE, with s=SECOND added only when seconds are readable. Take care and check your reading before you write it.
h=10 m=2
